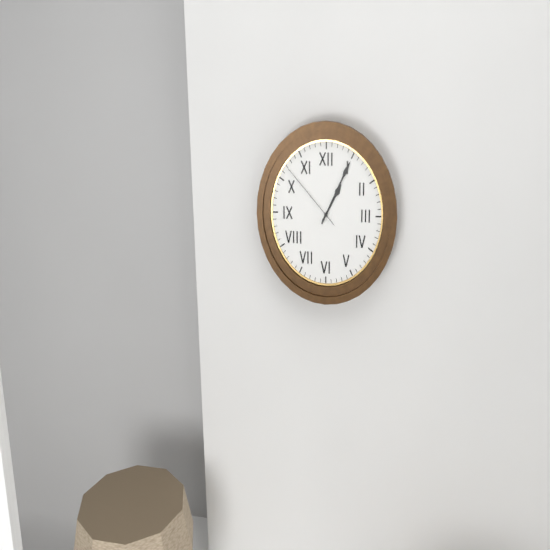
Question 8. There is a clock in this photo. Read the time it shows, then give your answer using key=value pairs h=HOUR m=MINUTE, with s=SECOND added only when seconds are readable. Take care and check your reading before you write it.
h=1 m=5 s=52
